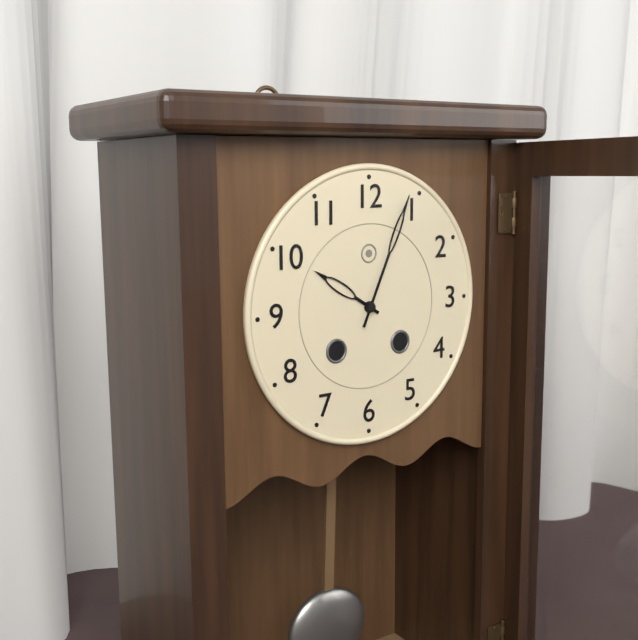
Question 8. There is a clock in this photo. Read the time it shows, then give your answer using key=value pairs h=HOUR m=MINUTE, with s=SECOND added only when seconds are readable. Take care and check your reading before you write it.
h=10 m=4
